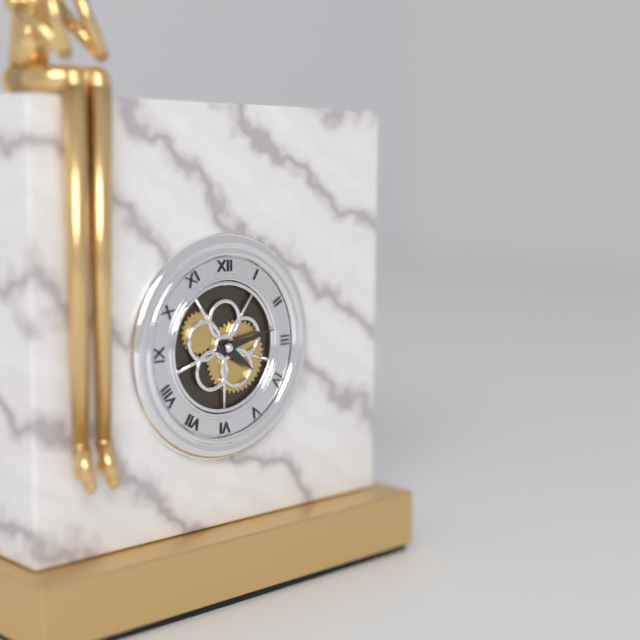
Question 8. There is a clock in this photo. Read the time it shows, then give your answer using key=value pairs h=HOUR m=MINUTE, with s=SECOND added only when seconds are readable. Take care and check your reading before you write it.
h=4 m=13
